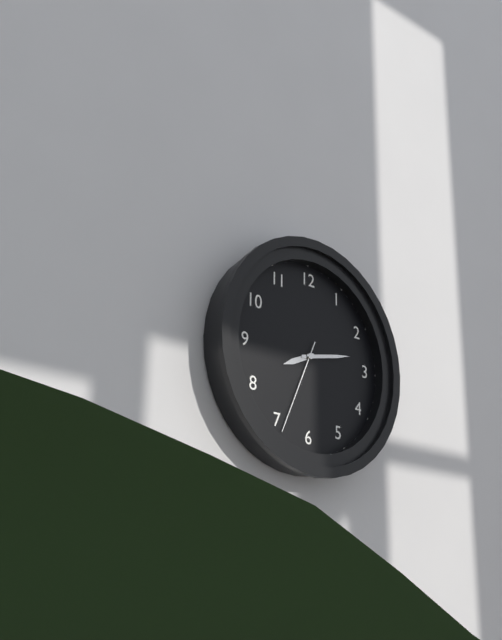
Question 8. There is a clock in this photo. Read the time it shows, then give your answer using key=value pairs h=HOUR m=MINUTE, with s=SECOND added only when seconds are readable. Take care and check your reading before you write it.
h=8 m=13 s=34
